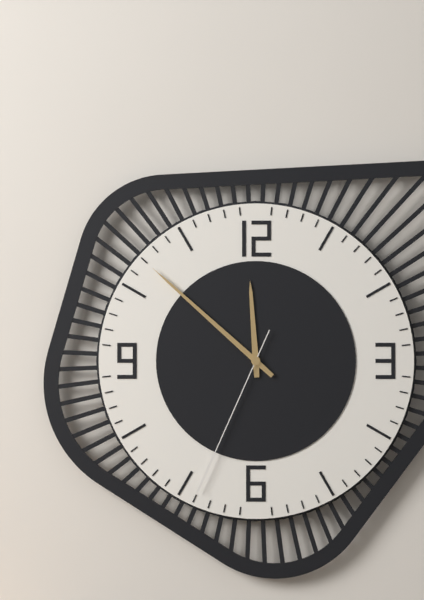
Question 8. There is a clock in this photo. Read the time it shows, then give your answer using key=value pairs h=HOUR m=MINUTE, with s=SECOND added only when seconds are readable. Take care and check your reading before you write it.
h=11 m=52 s=34
